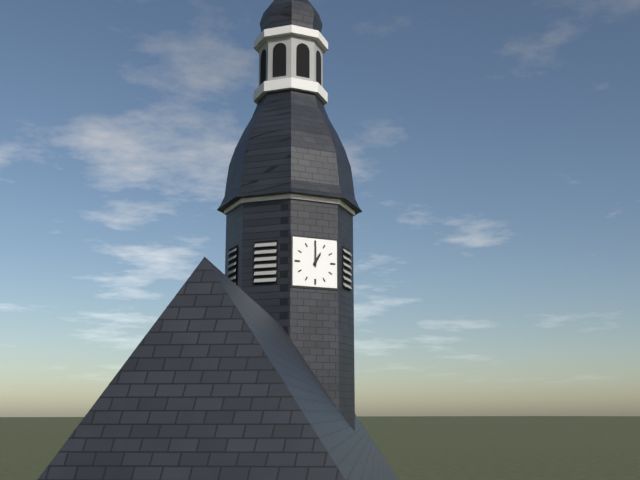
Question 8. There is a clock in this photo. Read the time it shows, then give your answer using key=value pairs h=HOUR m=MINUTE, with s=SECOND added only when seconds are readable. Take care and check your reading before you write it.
h=1 m=0
